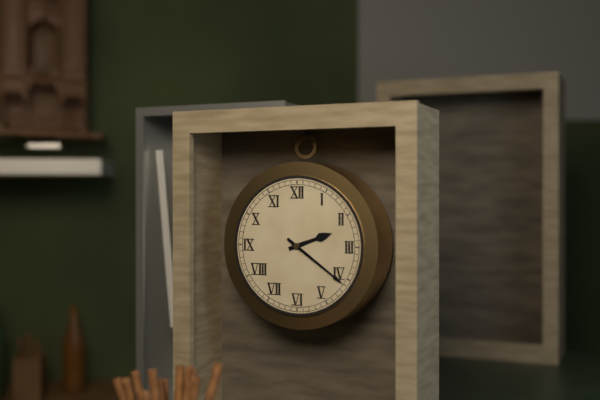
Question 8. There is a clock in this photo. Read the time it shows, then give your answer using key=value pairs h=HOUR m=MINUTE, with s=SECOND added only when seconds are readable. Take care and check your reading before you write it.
h=2 m=21
